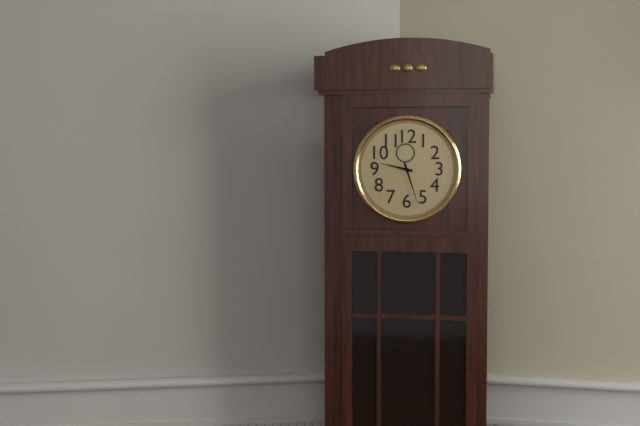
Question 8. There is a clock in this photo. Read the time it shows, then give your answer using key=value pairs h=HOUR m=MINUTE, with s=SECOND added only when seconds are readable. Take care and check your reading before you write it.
h=9 m=27
